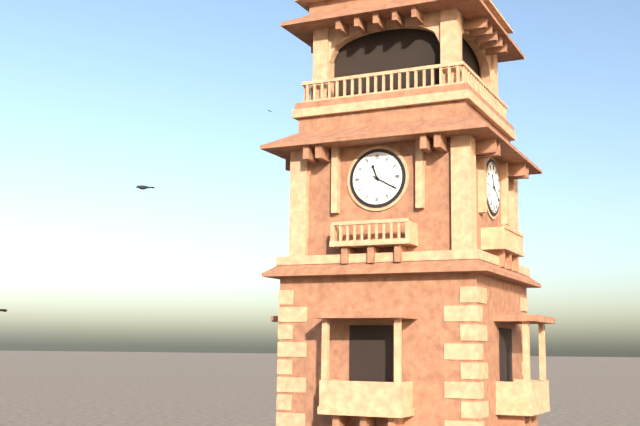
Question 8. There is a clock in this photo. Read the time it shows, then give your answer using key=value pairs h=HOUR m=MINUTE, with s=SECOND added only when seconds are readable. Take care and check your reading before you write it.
h=11 m=20
